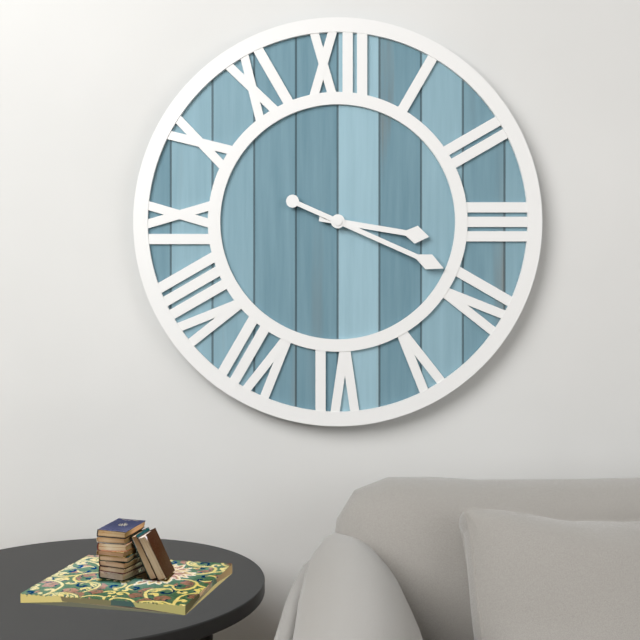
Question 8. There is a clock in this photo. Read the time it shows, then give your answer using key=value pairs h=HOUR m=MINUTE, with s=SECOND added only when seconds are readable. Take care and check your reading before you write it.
h=3 m=19
